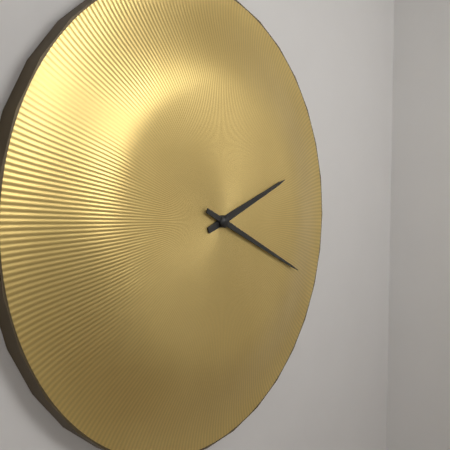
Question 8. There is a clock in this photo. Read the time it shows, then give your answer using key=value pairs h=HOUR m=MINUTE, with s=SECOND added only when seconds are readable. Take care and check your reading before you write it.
h=2 m=19
